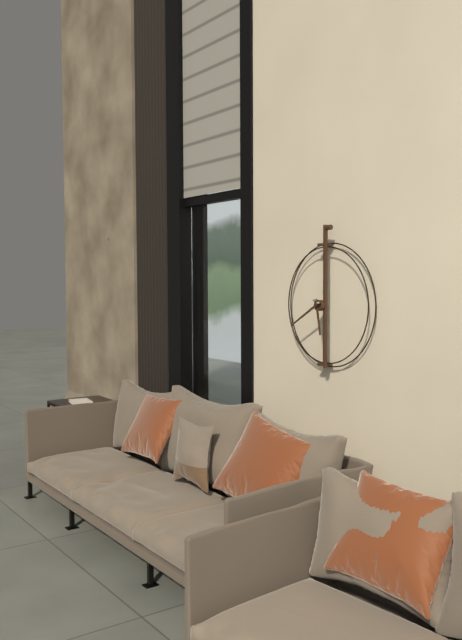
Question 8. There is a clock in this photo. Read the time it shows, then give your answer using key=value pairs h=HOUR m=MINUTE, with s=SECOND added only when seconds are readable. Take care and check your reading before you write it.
h=5 m=40
